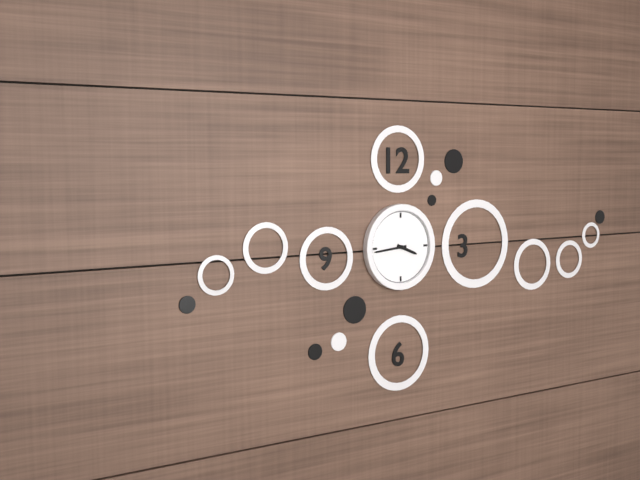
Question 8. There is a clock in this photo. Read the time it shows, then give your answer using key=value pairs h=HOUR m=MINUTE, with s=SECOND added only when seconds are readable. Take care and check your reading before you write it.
h=3 m=44
